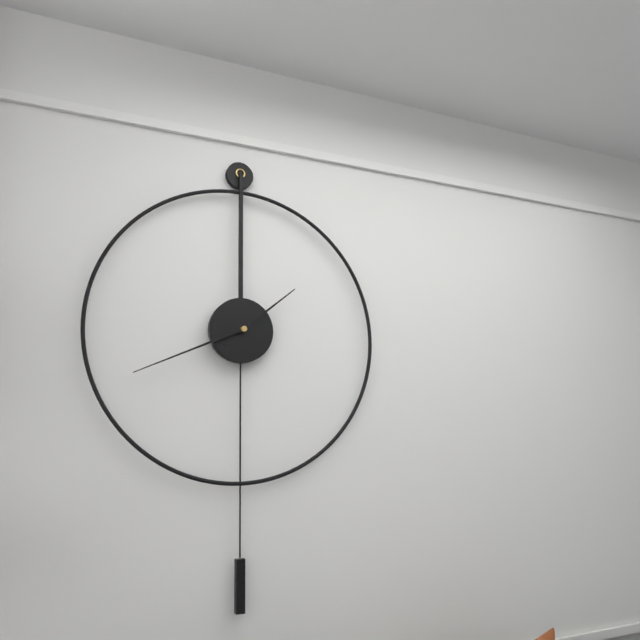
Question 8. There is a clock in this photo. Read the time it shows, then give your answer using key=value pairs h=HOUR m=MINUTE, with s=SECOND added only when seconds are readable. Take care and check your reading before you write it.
h=1 m=41
